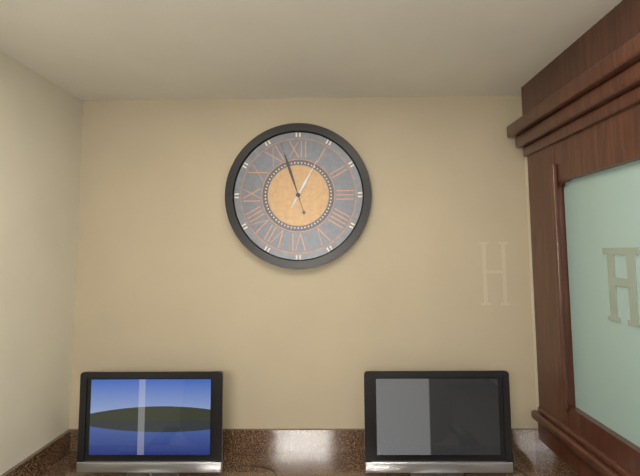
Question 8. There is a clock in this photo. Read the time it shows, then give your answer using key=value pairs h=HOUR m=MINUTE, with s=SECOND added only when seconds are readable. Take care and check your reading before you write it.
h=12 m=57
